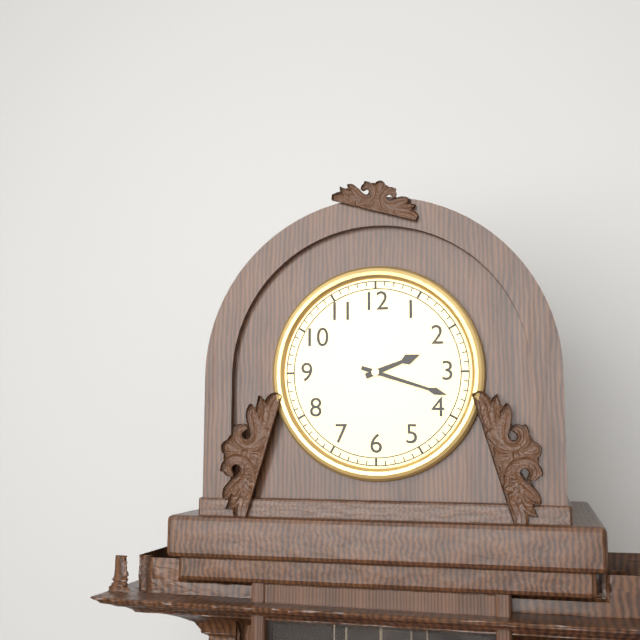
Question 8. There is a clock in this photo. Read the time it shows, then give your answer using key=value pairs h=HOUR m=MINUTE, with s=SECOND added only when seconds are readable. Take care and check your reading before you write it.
h=2 m=18
